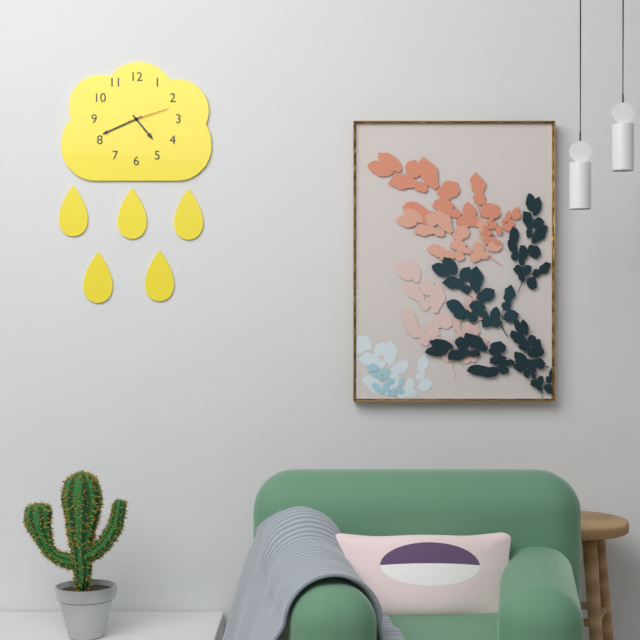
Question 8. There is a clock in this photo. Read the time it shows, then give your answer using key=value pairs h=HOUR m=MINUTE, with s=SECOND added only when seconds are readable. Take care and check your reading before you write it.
h=4 m=41
